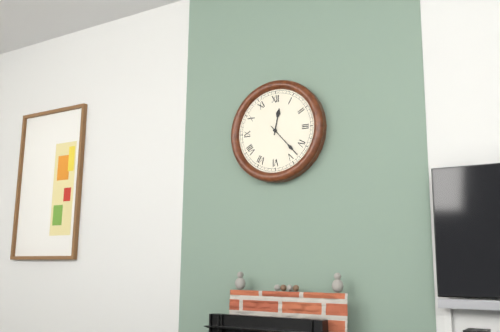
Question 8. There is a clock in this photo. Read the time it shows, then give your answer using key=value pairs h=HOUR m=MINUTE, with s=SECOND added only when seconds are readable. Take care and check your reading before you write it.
h=12 m=23
